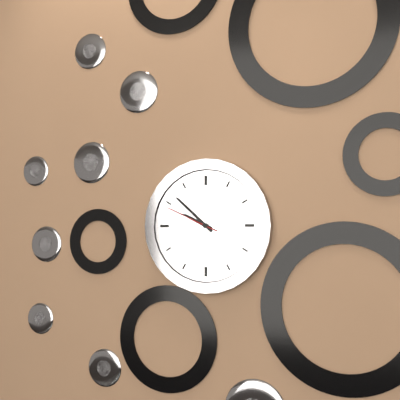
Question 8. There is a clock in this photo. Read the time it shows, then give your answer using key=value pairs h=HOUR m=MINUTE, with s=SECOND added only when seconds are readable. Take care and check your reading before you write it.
h=9 m=52 s=49
